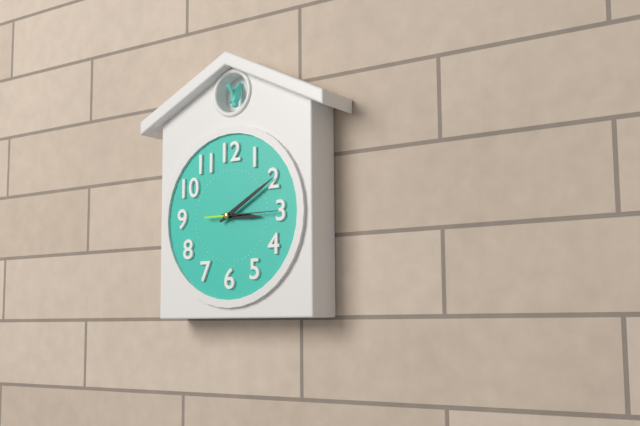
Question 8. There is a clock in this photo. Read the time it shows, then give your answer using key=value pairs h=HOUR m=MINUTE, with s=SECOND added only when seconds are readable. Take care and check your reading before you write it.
h=3 m=10
